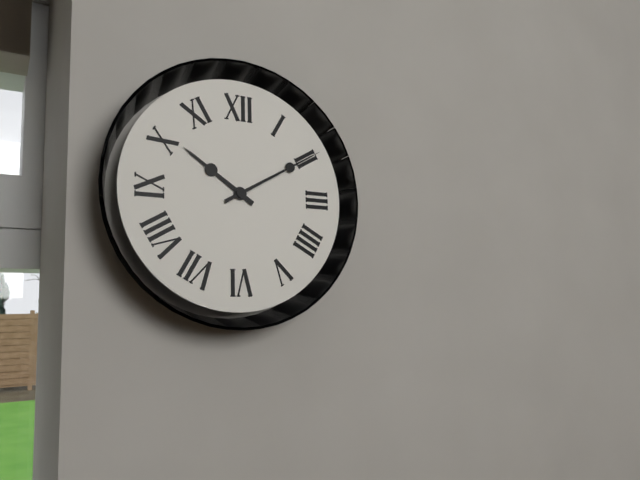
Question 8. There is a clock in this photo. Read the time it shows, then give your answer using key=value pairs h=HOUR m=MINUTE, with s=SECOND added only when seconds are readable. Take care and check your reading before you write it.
h=10 m=10
